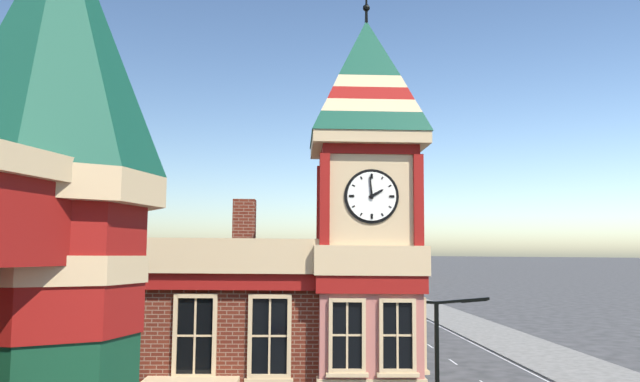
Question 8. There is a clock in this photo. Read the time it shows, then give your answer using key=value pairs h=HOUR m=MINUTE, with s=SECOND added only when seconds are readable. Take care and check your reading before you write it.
h=1 m=59
